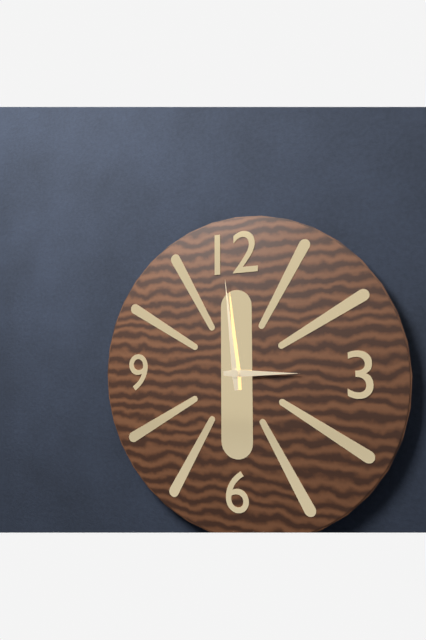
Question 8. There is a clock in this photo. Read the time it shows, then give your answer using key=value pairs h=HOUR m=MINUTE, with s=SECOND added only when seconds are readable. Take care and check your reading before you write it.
h=2 m=59
